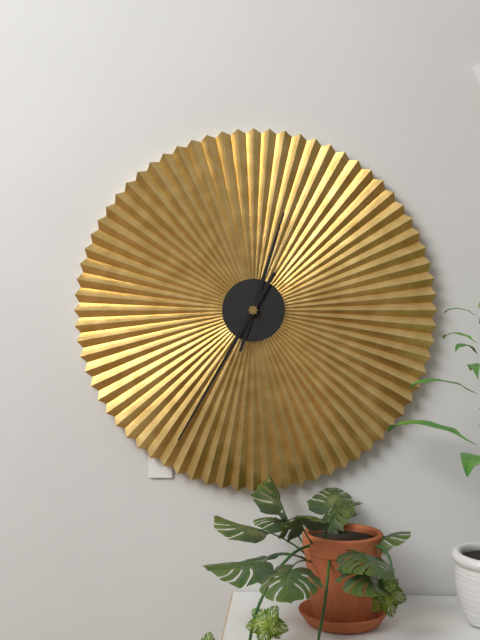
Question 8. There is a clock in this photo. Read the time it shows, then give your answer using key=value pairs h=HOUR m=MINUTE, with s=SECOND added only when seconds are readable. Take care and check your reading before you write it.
h=12 m=35
